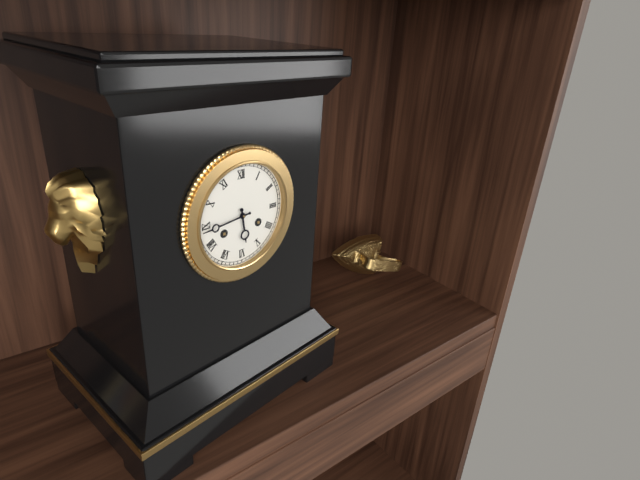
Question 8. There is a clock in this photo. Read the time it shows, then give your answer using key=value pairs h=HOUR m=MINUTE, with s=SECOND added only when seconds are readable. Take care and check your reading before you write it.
h=5 m=44
